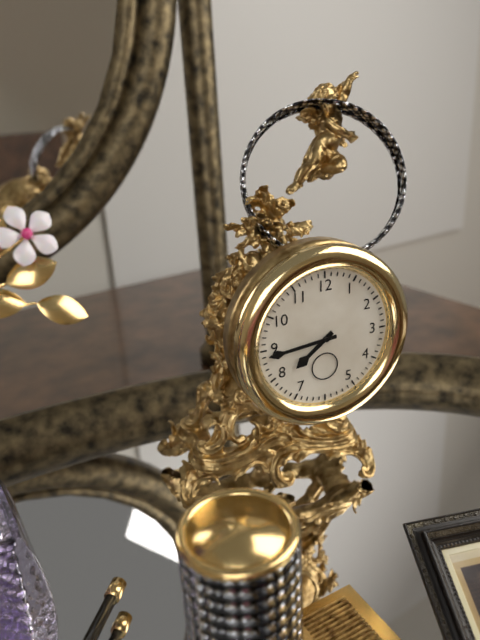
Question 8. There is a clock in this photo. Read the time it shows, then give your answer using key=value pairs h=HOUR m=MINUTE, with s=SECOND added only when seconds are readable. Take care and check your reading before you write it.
h=7 m=44
